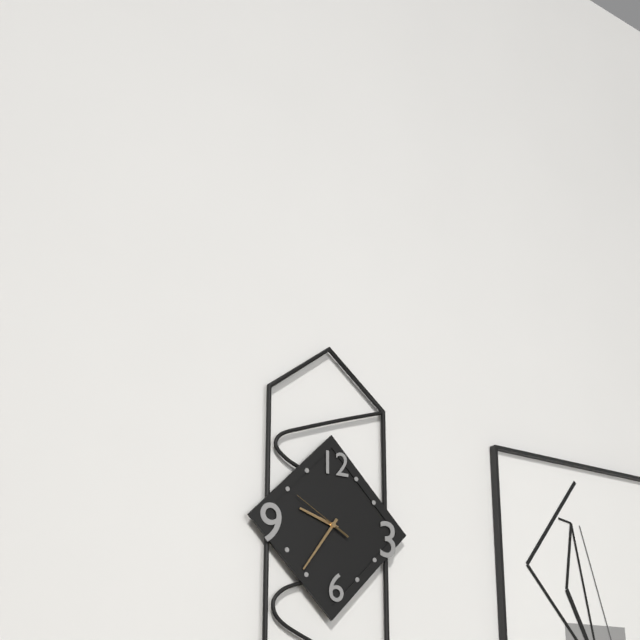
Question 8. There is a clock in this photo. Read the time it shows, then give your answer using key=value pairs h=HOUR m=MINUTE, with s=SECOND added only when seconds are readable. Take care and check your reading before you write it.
h=9 m=36 s=50
